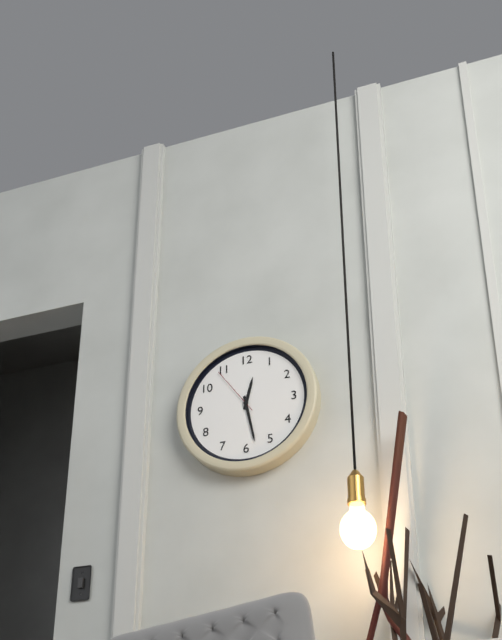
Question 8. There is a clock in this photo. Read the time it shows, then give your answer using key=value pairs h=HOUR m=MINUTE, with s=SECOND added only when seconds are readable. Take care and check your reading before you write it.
h=12 m=28 s=54
